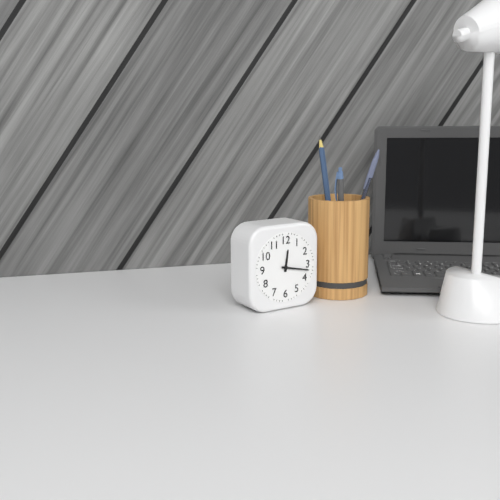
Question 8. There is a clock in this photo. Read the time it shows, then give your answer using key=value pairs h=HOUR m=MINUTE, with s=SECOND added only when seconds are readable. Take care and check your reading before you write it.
h=12 m=17
